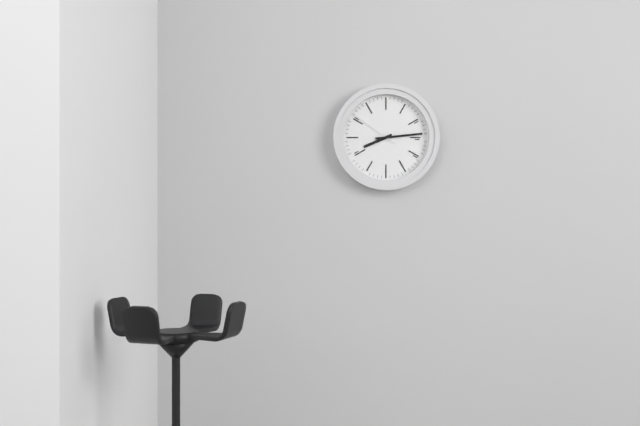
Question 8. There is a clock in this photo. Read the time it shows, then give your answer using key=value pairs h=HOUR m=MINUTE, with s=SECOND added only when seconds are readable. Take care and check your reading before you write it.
h=8 m=14
